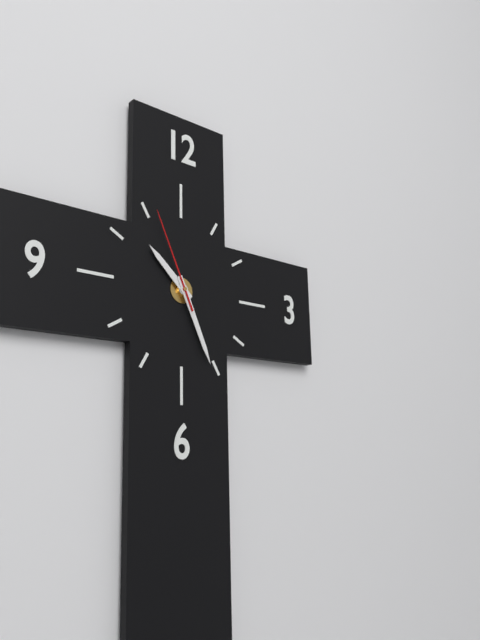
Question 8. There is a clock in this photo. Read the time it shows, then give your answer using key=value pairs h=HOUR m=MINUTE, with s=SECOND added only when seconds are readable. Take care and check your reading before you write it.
h=10 m=26 s=56
